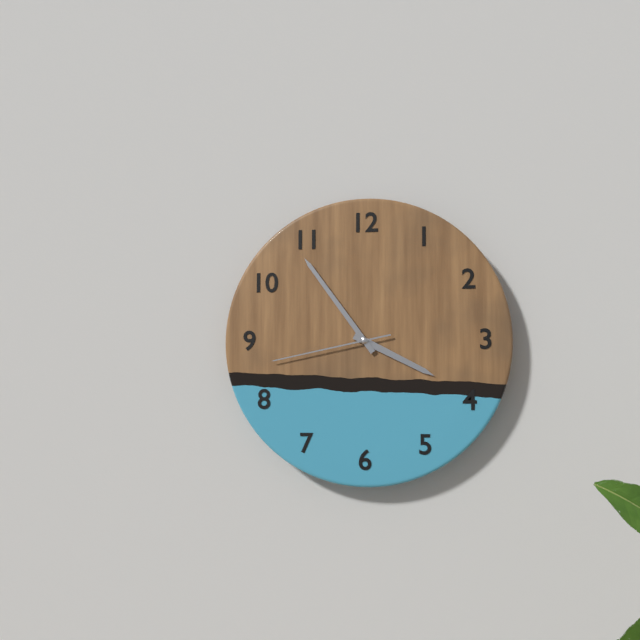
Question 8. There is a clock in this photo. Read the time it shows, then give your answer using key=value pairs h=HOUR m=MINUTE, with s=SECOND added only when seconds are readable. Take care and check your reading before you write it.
h=3 m=54 s=43
